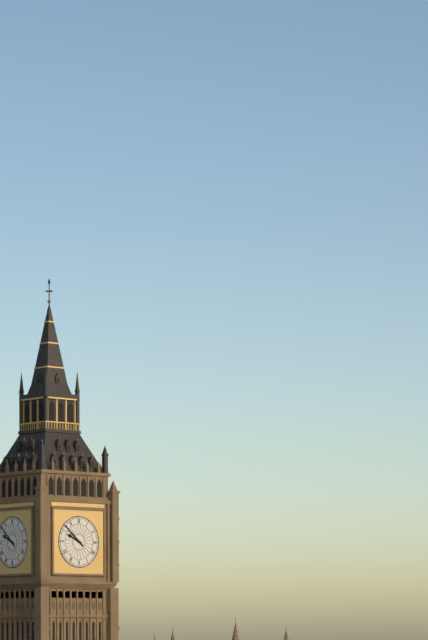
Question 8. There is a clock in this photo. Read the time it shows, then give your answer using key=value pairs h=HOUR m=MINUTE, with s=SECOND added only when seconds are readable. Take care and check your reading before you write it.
h=9 m=52
